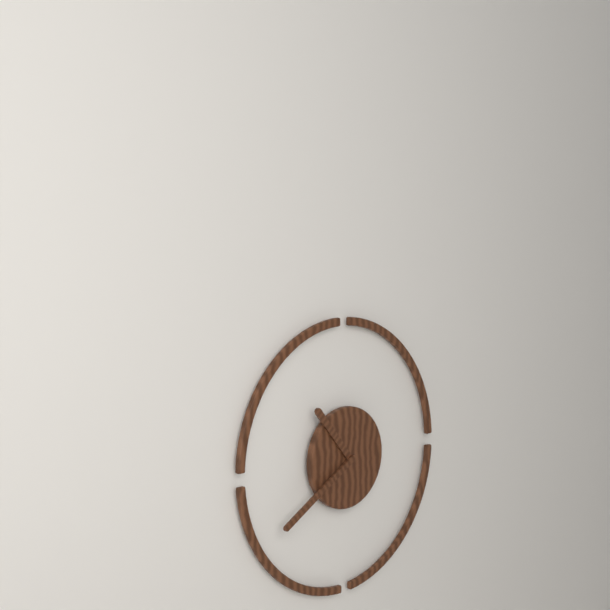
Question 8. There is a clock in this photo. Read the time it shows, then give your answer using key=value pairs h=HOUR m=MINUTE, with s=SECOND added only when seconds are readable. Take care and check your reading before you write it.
h=10 m=40
